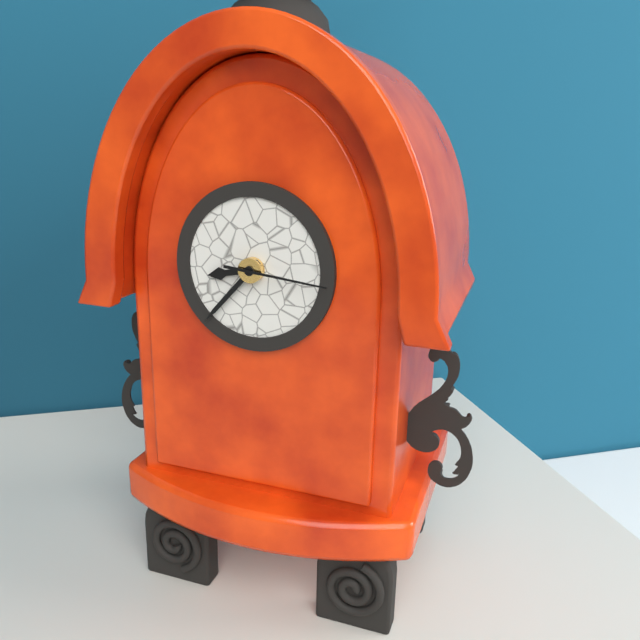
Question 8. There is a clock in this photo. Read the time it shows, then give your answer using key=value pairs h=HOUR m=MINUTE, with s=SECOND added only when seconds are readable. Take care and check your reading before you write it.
h=8 m=37 s=16
